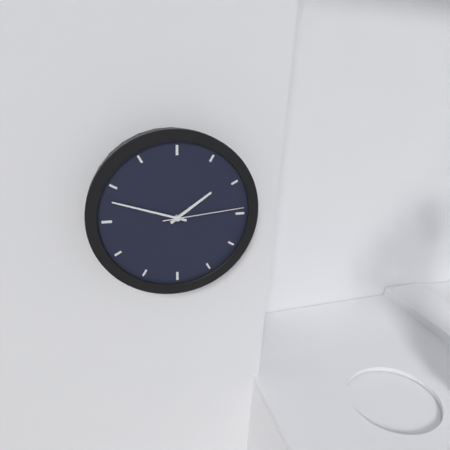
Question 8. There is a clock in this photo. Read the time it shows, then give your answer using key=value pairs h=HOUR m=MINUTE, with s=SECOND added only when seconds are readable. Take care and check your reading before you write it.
h=1 m=48 s=14
